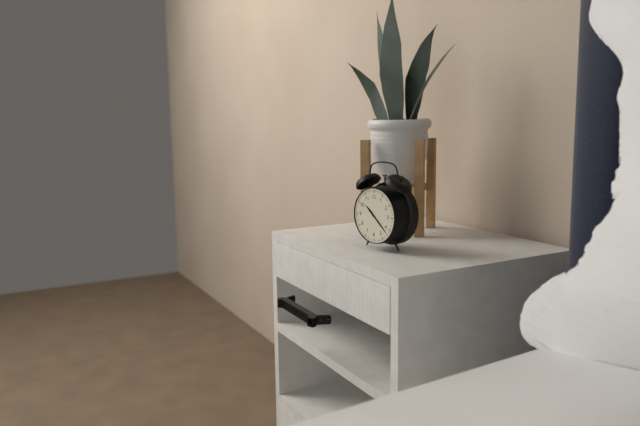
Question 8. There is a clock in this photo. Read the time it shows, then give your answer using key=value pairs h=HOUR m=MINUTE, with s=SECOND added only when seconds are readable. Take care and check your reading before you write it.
h=10 m=22
